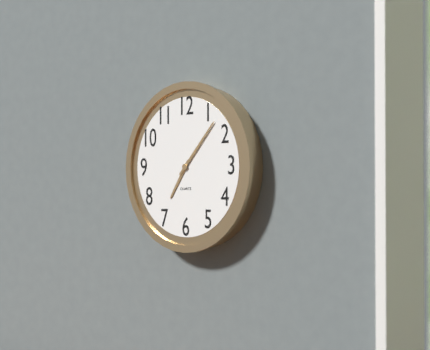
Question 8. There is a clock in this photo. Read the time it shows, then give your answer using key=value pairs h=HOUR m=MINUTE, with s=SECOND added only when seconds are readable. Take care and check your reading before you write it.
h=7 m=7
